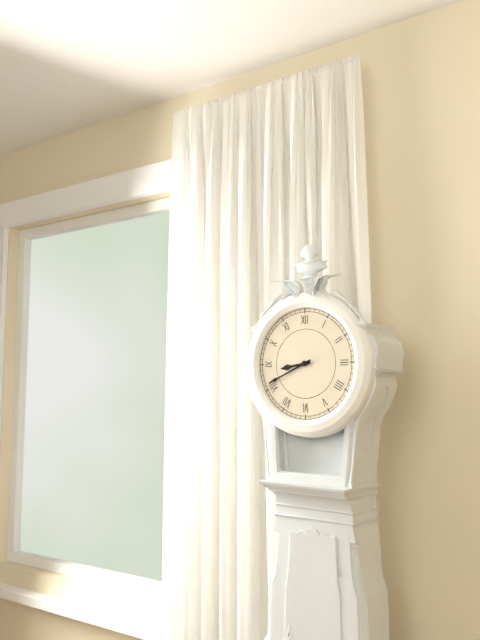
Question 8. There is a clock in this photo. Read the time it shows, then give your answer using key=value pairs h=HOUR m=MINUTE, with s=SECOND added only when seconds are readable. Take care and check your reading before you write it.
h=8 m=41
